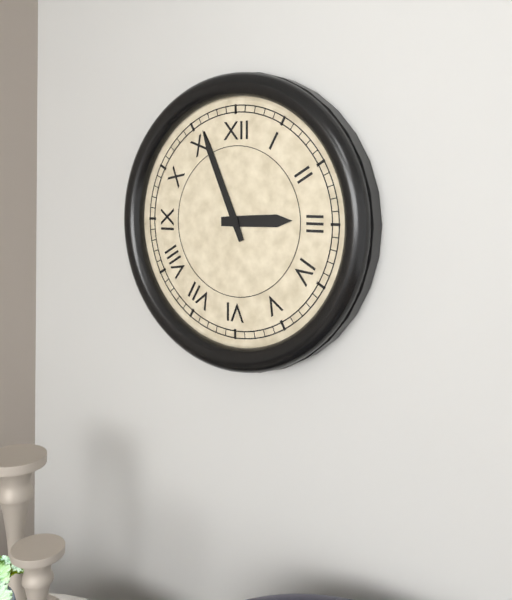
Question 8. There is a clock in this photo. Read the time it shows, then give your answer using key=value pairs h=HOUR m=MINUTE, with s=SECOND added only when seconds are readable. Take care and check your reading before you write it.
h=2 m=56
